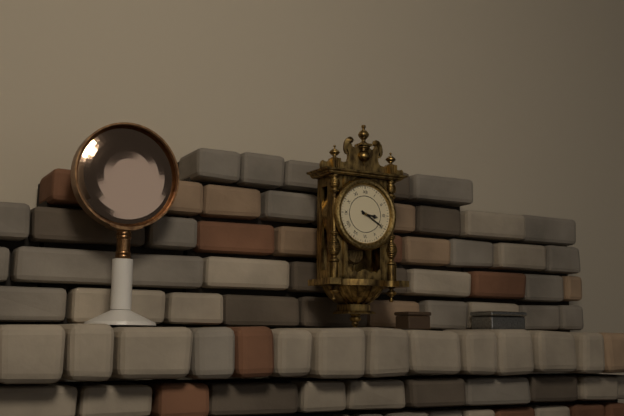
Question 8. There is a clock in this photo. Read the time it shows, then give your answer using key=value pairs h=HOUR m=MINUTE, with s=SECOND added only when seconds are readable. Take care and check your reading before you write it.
h=3 m=20
